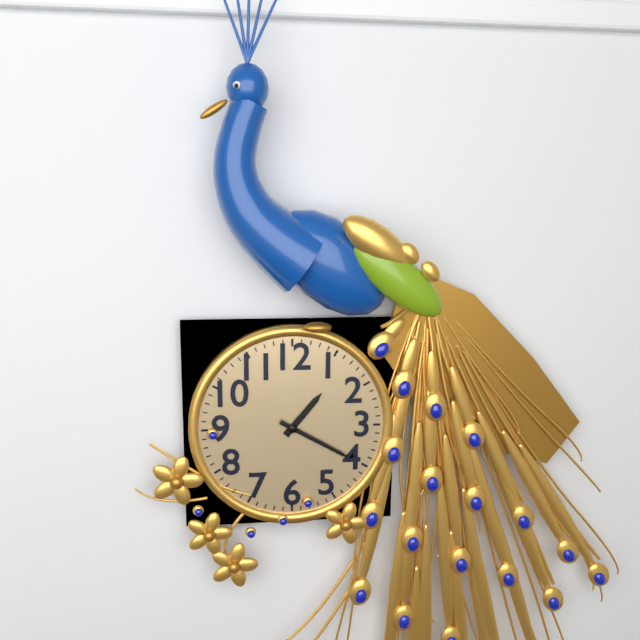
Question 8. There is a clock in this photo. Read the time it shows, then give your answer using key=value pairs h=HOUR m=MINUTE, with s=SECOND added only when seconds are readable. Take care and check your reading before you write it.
h=1 m=20
